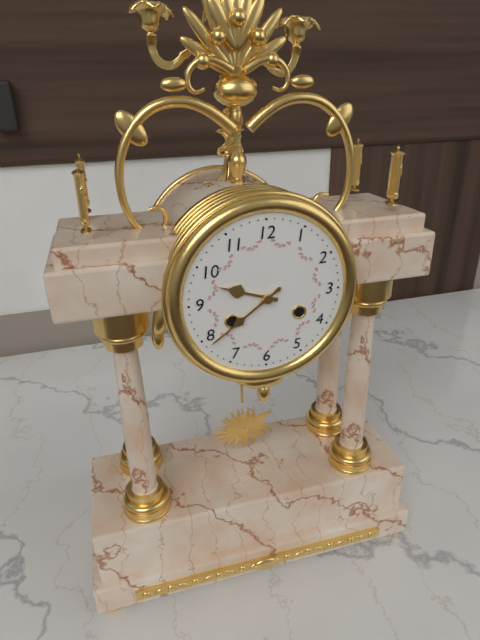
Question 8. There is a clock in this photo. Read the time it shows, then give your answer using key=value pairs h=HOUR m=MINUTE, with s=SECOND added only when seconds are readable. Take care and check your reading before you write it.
h=9 m=39
